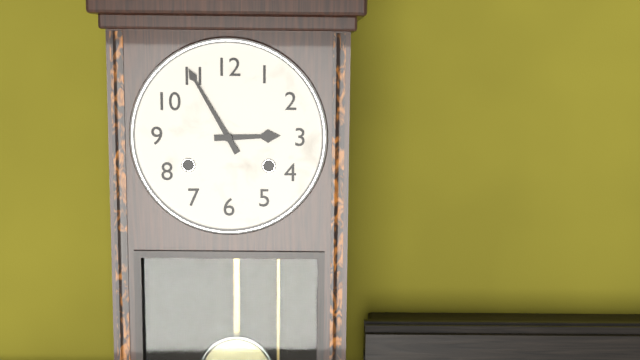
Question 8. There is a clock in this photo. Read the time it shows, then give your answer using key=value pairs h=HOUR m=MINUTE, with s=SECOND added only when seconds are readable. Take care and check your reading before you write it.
h=2 m=55
